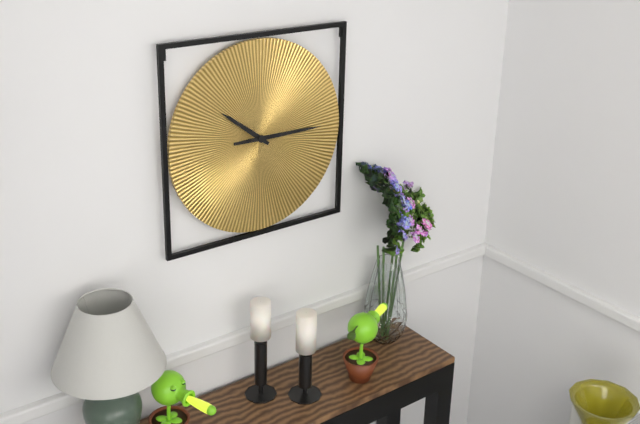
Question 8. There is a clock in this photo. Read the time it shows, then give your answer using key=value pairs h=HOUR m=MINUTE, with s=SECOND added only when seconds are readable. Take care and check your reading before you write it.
h=10 m=15
